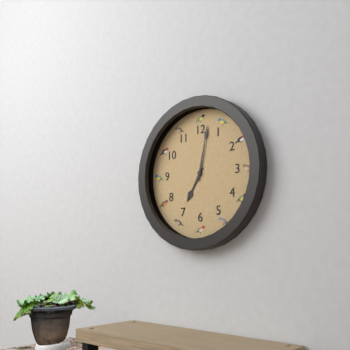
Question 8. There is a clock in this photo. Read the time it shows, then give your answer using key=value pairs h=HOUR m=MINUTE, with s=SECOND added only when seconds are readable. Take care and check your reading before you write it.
h=7 m=2
